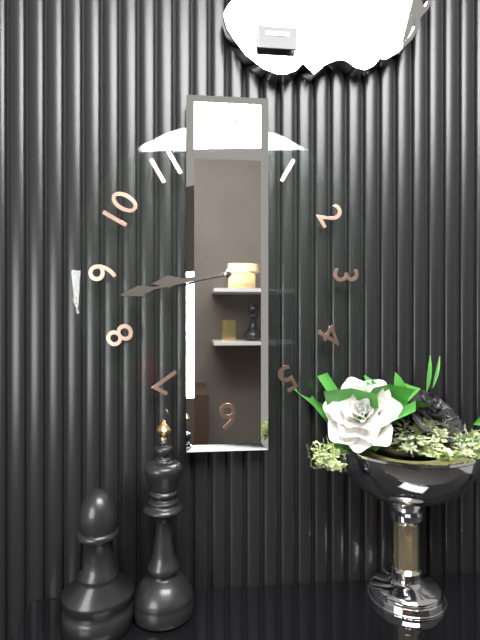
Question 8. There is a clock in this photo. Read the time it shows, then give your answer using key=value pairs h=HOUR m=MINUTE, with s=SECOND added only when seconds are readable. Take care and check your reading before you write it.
h=8 m=43
